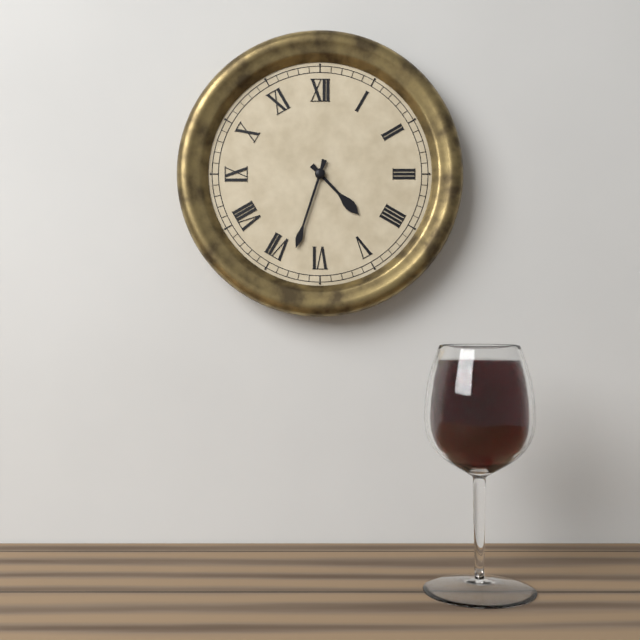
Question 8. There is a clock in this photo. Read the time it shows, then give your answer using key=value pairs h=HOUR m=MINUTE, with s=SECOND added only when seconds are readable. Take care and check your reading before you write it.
h=4 m=33
